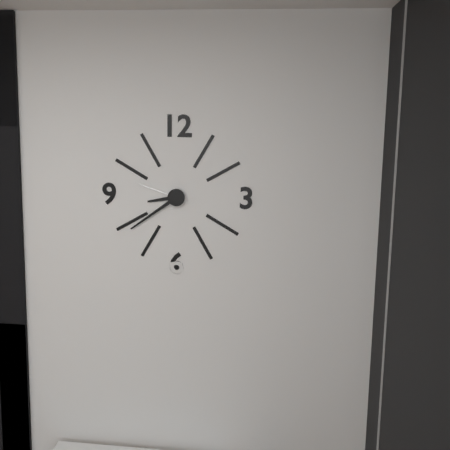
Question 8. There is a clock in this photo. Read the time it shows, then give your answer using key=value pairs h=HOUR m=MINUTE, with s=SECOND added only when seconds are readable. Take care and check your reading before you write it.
h=8 m=39 s=48
